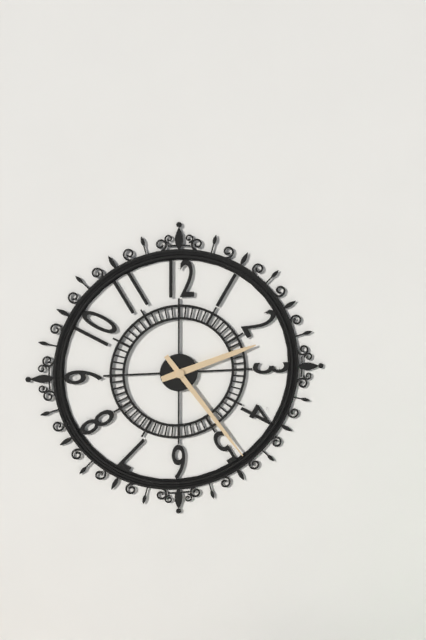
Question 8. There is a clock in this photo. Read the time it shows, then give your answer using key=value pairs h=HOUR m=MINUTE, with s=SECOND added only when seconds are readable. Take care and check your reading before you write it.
h=2 m=24
